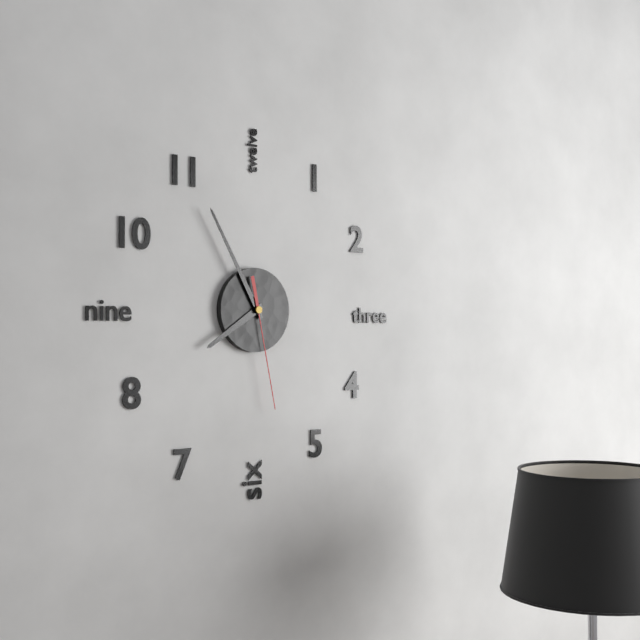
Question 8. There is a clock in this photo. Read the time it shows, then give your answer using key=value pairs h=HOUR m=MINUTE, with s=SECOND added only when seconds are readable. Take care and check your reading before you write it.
h=7 m=55 s=28
